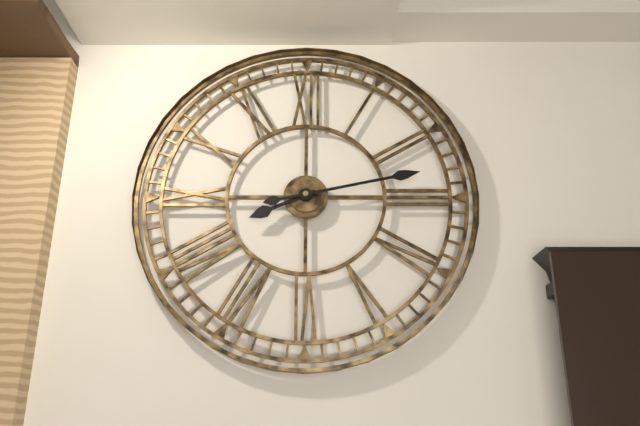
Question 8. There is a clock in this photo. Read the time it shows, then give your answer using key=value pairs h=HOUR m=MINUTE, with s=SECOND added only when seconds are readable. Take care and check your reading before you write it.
h=8 m=13
